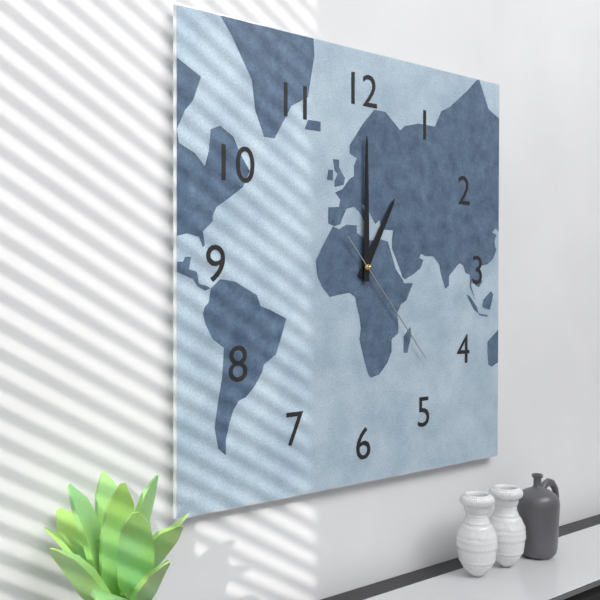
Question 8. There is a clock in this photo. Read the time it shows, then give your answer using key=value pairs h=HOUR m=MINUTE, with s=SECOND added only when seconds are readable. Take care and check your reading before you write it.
h=1 m=0 s=23
